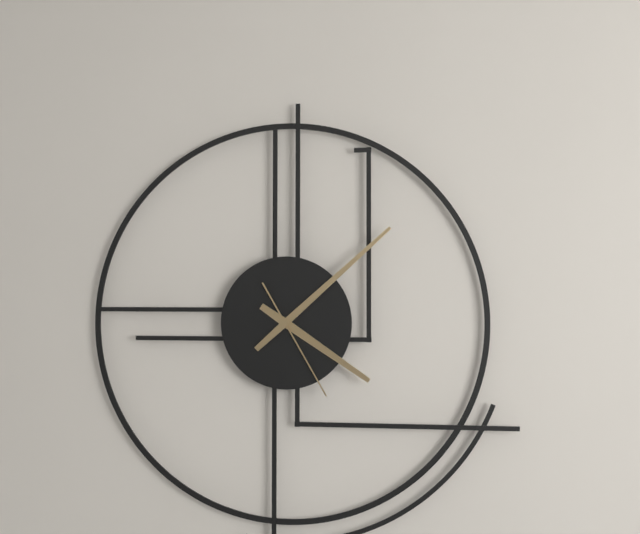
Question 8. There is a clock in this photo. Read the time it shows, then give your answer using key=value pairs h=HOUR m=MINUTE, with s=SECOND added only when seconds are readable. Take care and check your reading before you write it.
h=4 m=8 s=25
